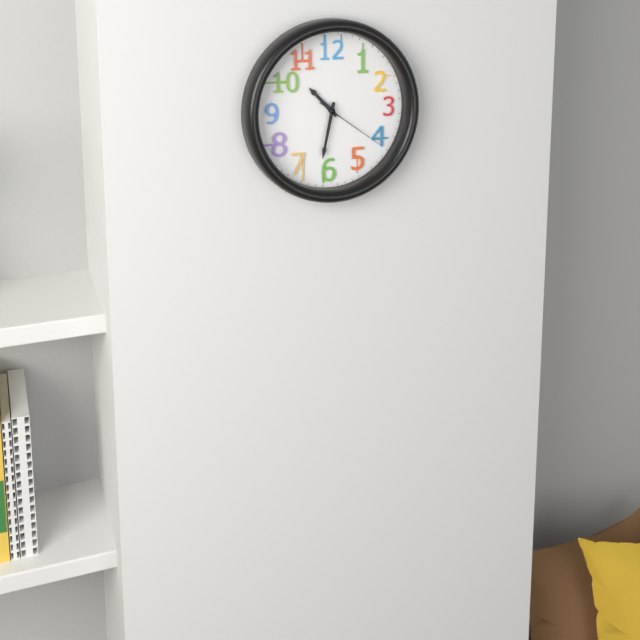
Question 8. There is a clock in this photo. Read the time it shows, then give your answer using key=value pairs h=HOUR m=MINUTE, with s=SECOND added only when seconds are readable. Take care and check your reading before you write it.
h=10 m=32 s=21
